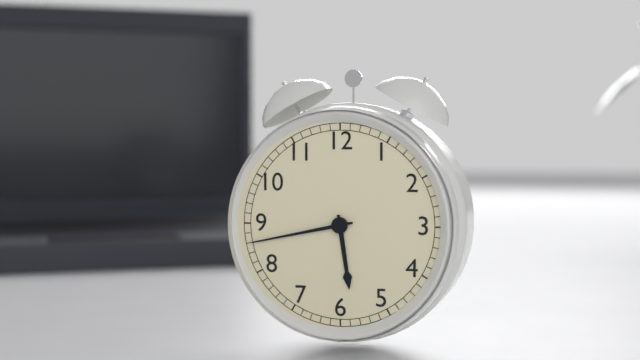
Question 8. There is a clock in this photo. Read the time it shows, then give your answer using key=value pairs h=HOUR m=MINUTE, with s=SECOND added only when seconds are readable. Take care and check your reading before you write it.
h=5 m=43
